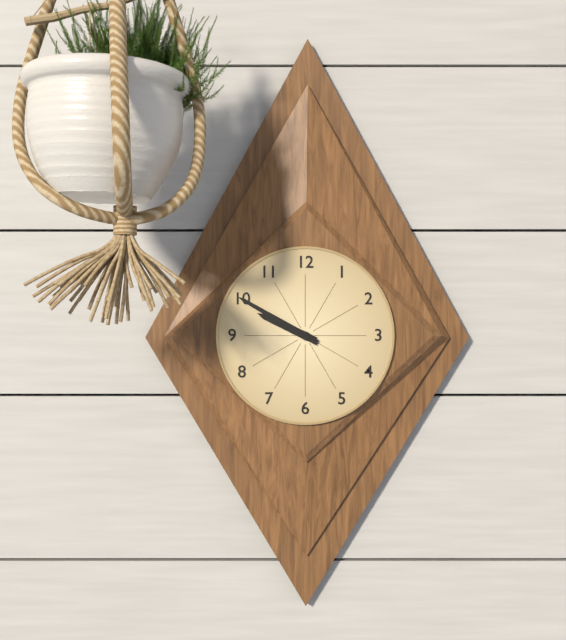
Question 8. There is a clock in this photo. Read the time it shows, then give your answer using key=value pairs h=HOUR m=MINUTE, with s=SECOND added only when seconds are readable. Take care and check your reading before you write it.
h=9 m=50
